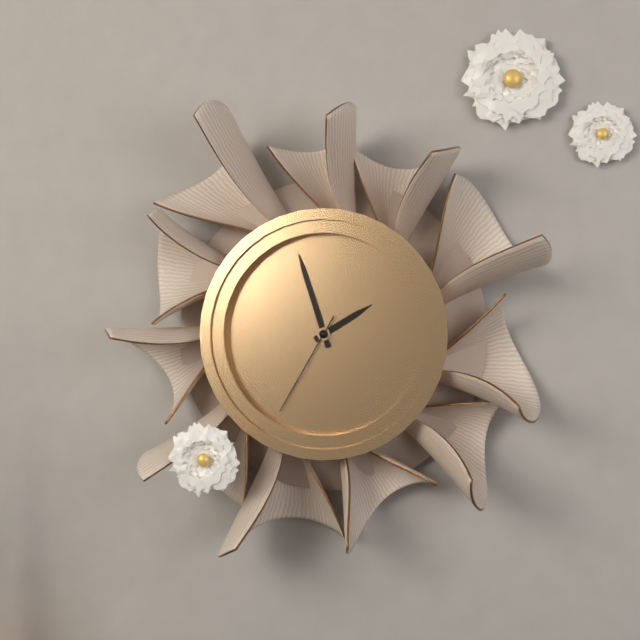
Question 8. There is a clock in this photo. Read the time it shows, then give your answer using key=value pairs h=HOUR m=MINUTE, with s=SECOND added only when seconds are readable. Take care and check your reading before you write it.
h=1 m=57 s=35
